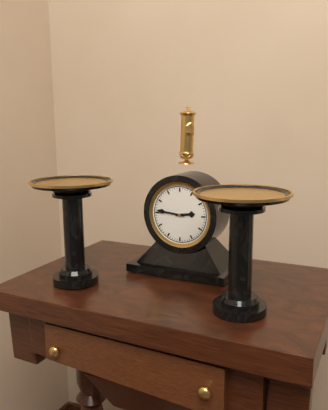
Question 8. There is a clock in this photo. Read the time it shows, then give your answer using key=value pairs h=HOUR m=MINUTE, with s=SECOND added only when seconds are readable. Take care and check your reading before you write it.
h=2 m=46
